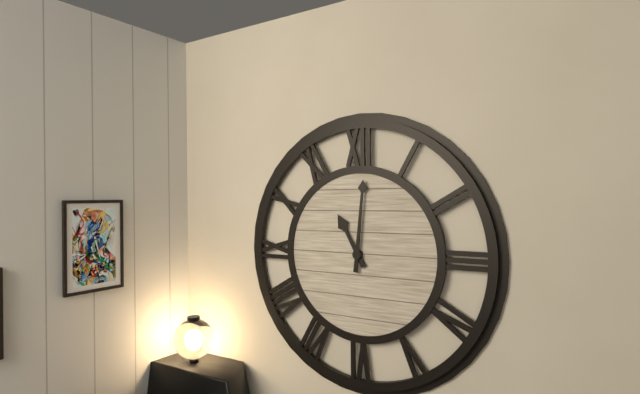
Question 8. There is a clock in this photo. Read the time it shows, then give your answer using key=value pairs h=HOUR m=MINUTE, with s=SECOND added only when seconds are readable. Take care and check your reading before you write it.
h=11 m=1
